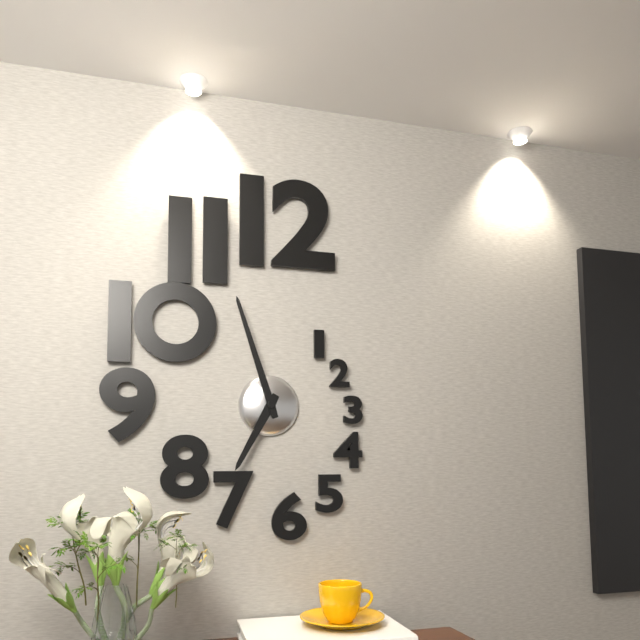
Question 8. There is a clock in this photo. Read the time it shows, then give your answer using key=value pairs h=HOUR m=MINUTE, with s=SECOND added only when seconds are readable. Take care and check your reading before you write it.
h=6 m=57
